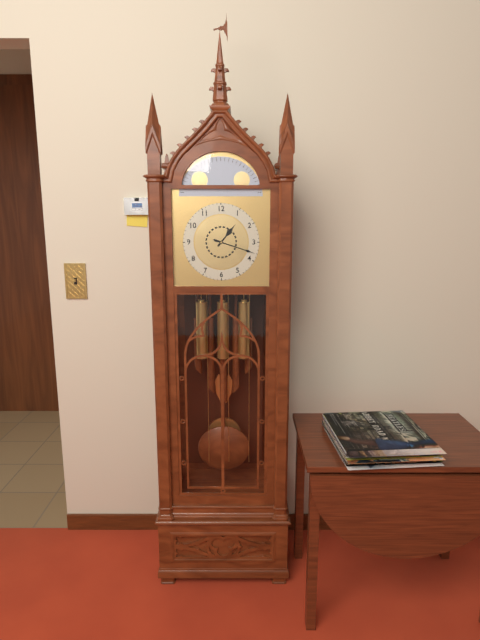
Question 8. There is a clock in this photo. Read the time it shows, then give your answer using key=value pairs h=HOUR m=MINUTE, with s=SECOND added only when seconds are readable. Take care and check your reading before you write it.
h=1 m=18
